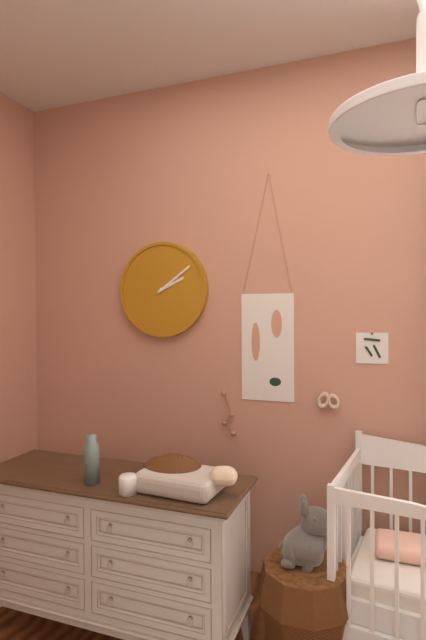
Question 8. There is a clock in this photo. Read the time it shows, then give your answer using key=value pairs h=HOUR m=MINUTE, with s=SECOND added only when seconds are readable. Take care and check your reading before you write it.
h=2 m=9
